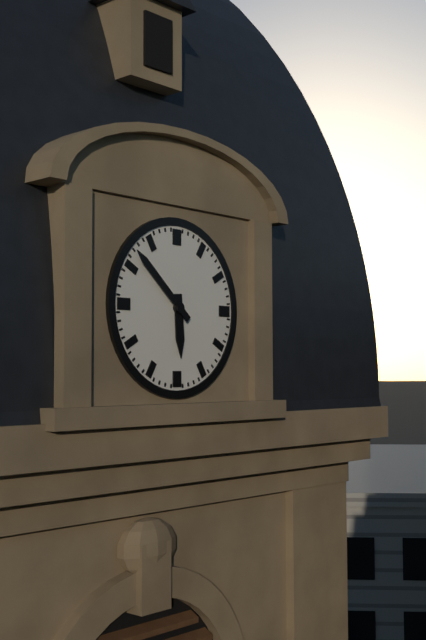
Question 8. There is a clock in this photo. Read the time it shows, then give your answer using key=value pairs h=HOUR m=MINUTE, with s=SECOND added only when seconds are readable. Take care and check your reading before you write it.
h=5 m=52
